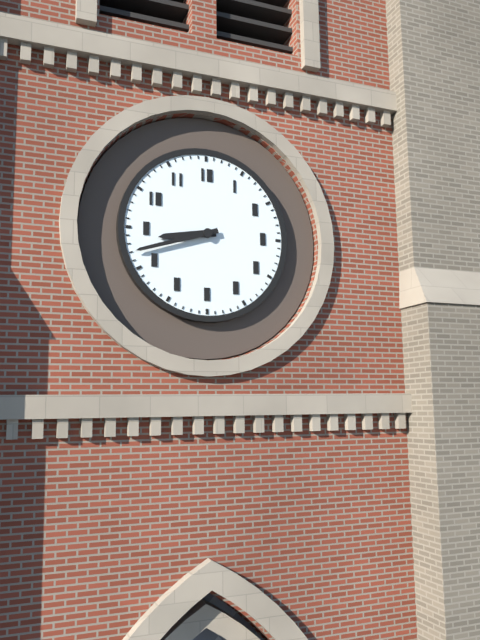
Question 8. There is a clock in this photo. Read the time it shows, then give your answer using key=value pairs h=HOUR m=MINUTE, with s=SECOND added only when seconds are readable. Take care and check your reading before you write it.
h=8 m=42
